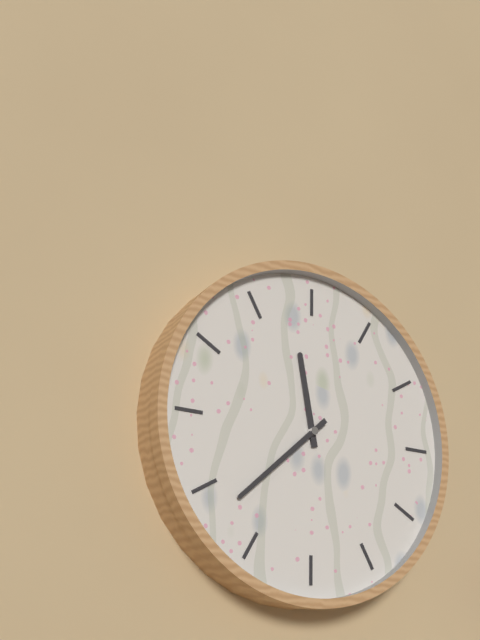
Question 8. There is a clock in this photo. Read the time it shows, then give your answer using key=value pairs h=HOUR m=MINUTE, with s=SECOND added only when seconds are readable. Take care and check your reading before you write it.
h=11 m=38
